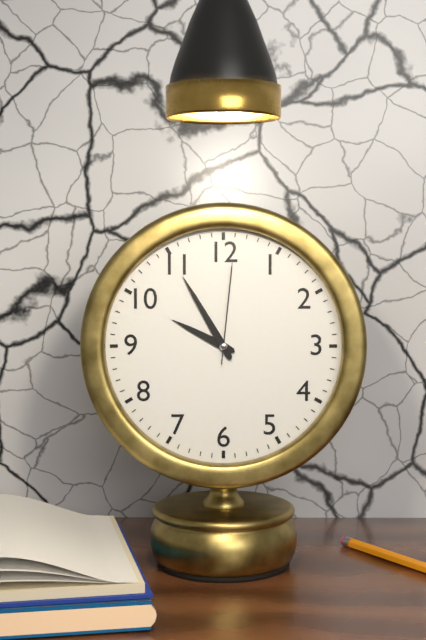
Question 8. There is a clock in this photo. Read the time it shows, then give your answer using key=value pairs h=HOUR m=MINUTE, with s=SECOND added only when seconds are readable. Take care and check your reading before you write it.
h=9 m=55 s=1
